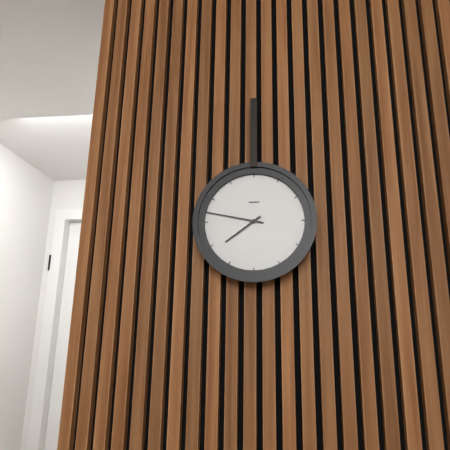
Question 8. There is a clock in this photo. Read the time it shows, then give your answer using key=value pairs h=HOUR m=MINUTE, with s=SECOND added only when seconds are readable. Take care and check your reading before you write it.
h=7 m=47
